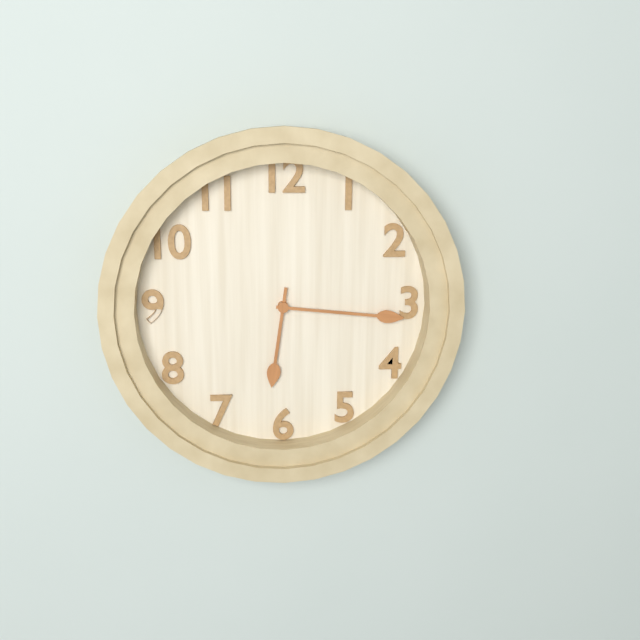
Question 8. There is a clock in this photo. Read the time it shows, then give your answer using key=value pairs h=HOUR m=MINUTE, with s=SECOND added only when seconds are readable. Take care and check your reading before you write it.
h=6 m=16
